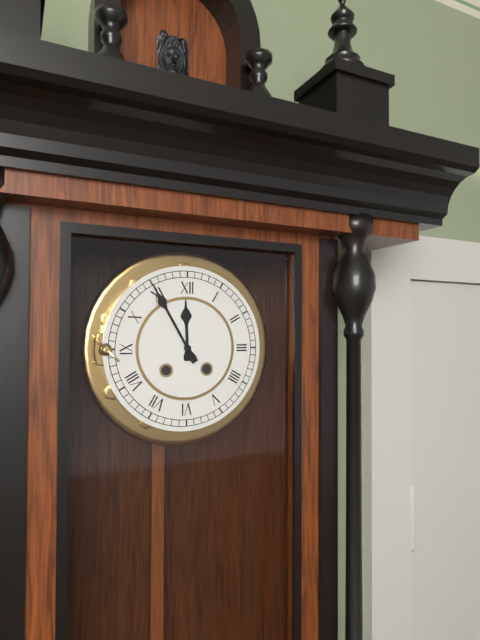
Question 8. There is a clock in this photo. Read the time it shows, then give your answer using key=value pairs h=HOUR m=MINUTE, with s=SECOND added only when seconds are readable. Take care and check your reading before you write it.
h=11 m=55
